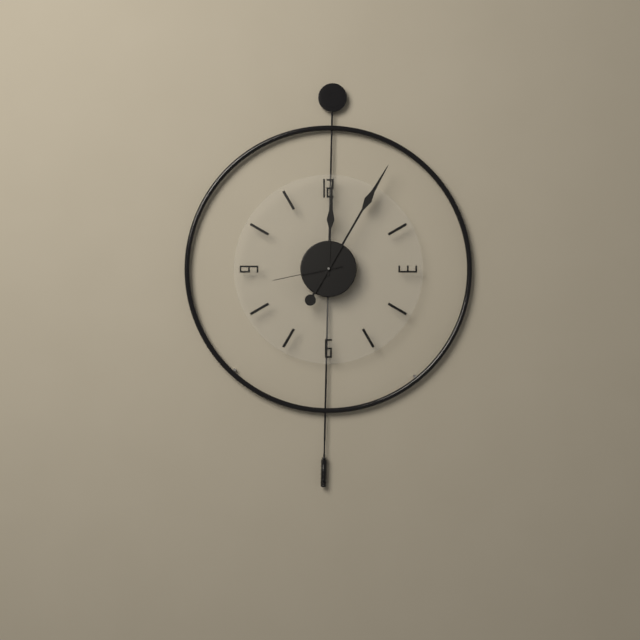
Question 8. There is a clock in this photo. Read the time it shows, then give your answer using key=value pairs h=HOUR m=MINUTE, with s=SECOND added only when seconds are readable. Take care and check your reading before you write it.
h=12 m=5 s=43
